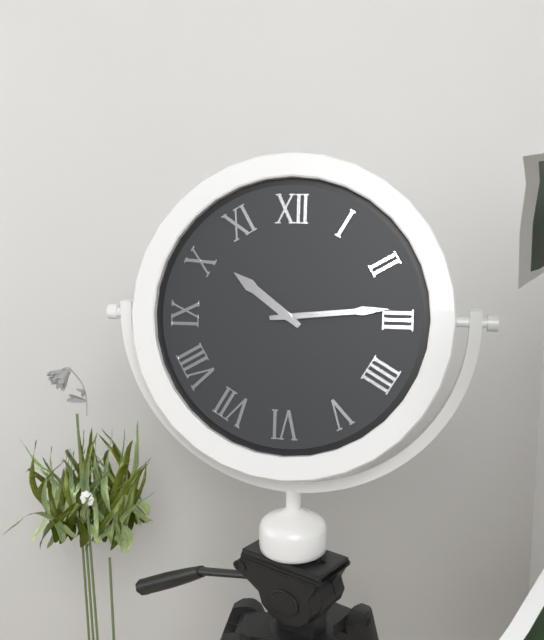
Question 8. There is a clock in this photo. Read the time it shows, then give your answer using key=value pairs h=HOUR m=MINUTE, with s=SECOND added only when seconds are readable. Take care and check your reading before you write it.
h=10 m=14
